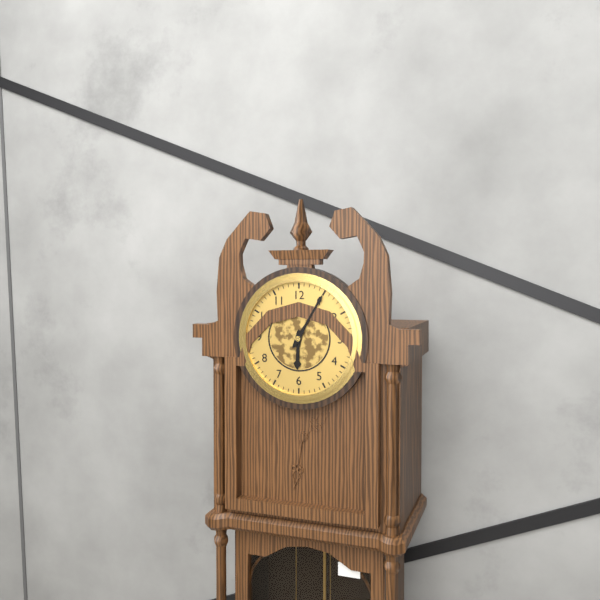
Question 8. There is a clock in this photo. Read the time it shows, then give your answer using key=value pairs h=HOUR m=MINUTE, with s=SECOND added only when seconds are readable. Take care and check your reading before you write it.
h=6 m=5
